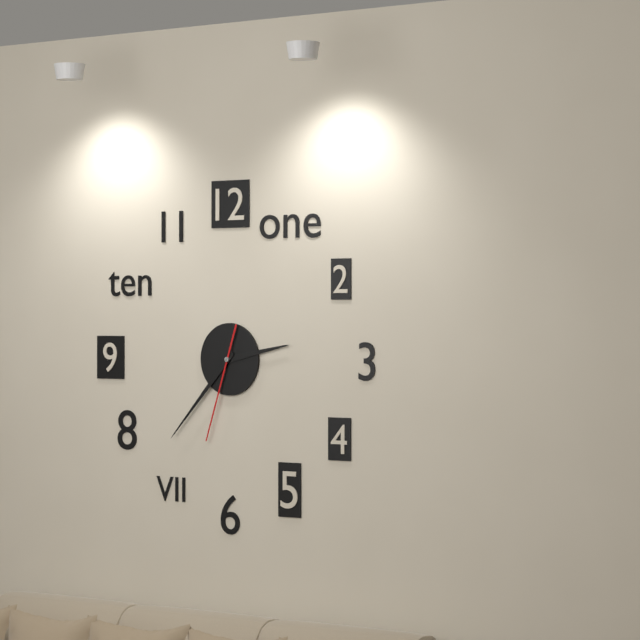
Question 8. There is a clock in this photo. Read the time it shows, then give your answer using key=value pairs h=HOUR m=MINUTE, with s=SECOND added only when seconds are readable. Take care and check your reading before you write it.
h=2 m=37 s=33
